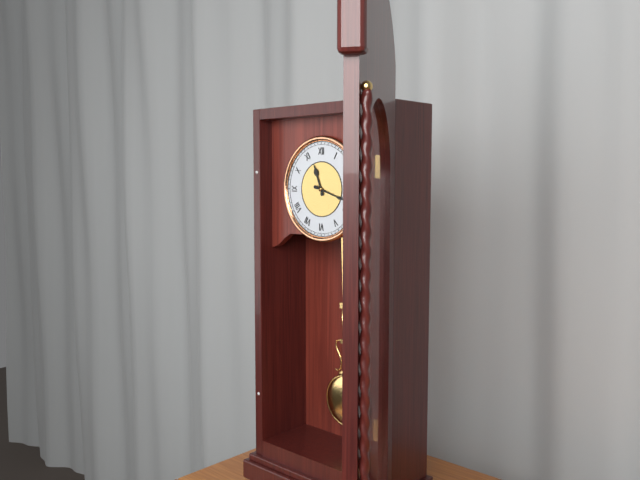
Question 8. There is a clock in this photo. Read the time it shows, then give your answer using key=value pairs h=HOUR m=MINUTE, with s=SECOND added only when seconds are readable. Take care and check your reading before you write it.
h=11 m=18
